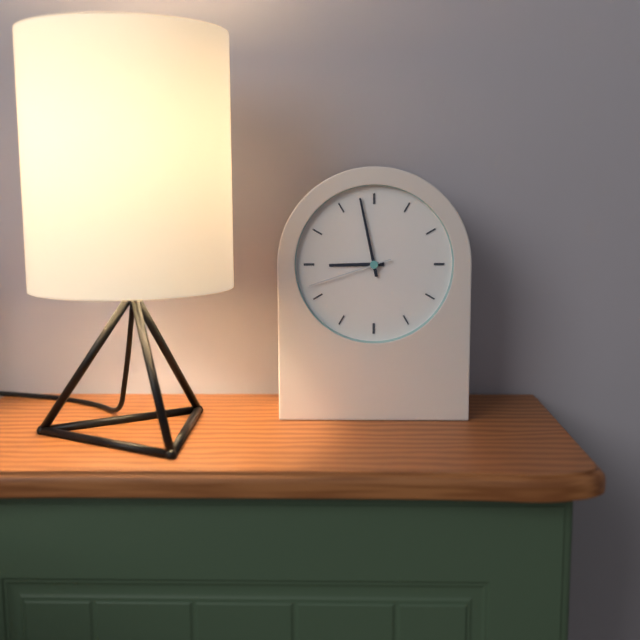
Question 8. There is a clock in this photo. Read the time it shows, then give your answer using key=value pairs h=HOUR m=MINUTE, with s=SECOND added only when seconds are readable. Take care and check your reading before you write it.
h=8 m=58 s=42
